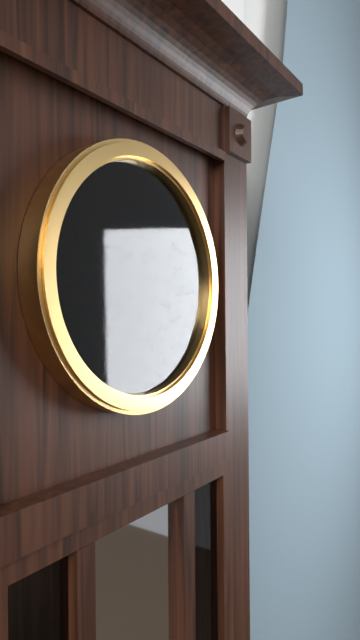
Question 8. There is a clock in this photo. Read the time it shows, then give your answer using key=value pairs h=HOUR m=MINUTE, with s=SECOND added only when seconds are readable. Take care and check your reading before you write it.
h=12 m=32
